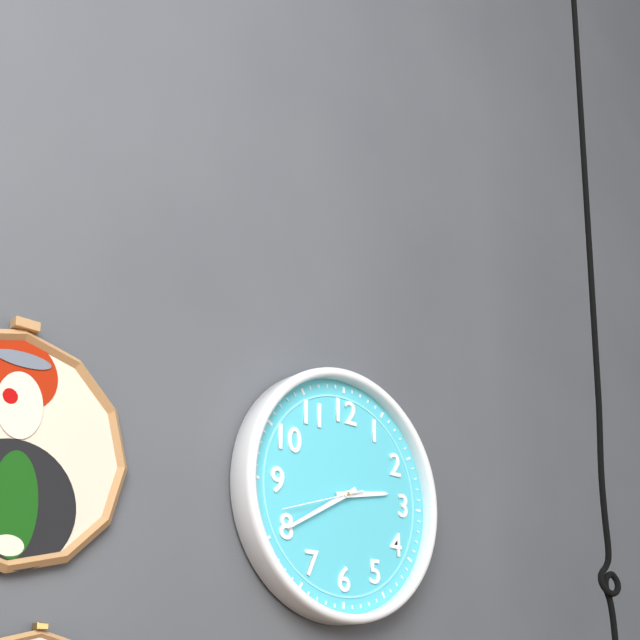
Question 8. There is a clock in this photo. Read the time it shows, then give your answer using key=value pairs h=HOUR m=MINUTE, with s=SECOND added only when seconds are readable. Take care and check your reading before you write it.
h=2 m=40 s=42
